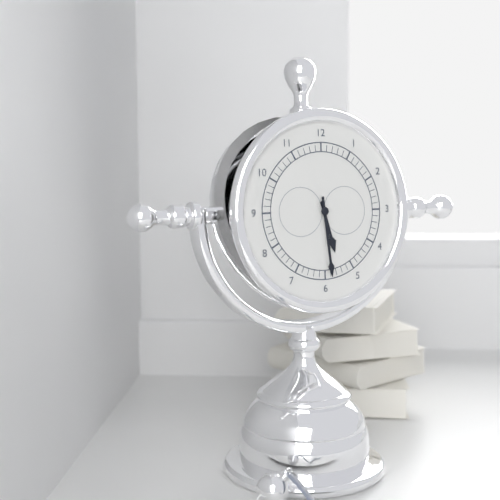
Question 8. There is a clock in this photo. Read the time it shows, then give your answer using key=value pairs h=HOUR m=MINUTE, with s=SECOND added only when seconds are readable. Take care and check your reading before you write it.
h=5 m=29
